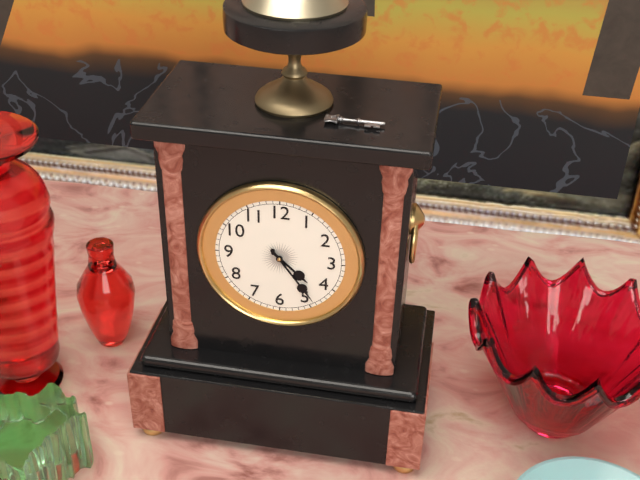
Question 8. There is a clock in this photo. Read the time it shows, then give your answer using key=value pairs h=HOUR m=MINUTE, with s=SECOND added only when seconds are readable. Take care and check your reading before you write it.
h=4 m=24
